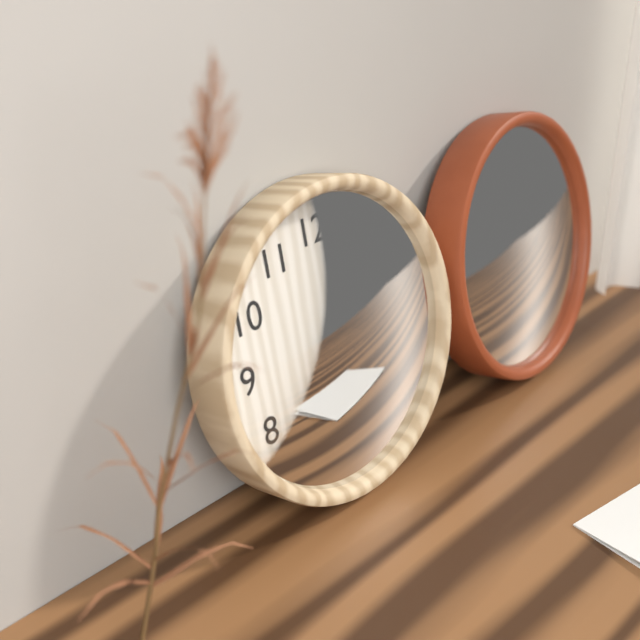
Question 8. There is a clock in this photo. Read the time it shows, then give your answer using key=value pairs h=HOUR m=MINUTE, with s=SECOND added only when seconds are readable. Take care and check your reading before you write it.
h=1 m=9
